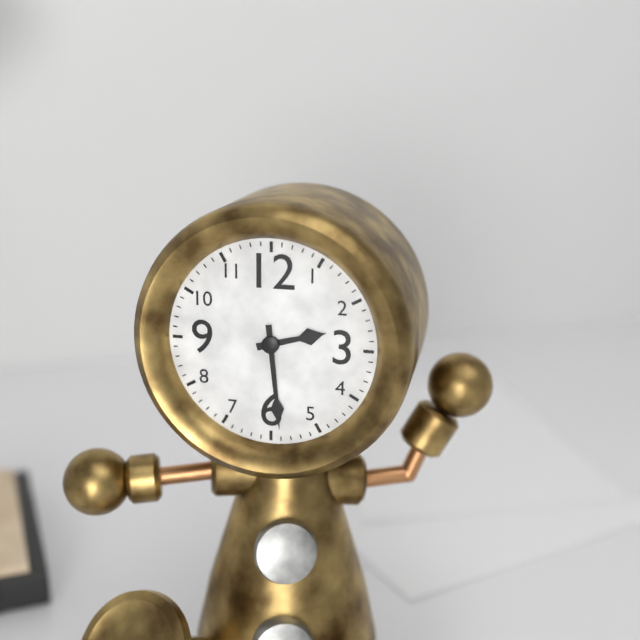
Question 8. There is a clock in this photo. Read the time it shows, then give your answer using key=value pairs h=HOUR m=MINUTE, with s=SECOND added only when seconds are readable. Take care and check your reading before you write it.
h=2 m=29
